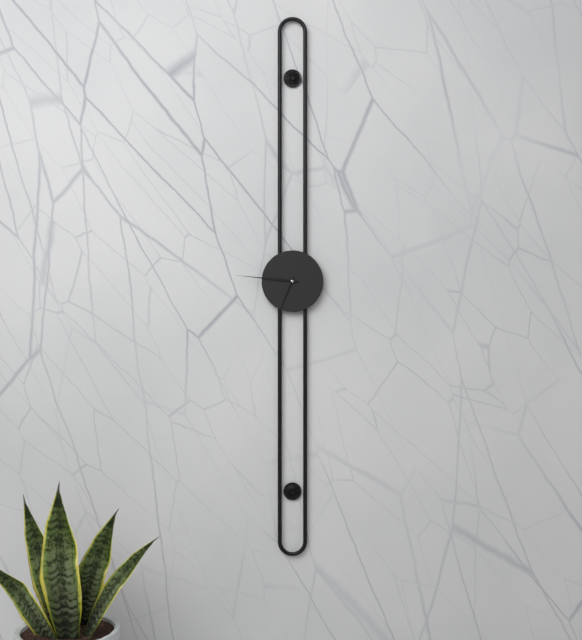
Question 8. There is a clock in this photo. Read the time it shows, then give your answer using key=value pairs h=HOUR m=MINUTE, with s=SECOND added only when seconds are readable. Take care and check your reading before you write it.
h=6 m=46
